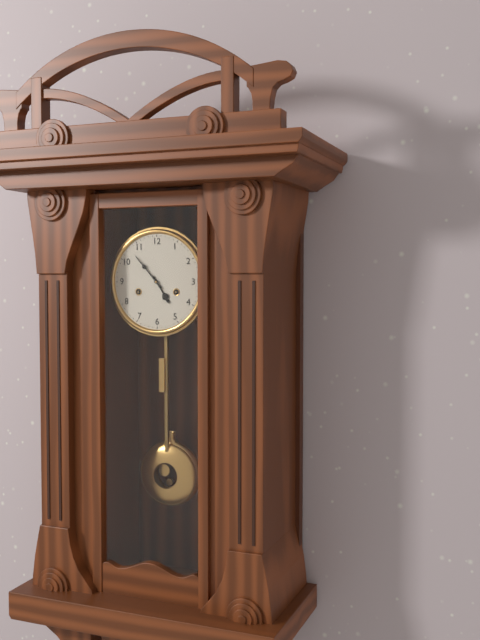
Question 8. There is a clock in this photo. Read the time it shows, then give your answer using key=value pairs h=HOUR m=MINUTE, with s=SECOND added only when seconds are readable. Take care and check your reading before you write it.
h=4 m=53
